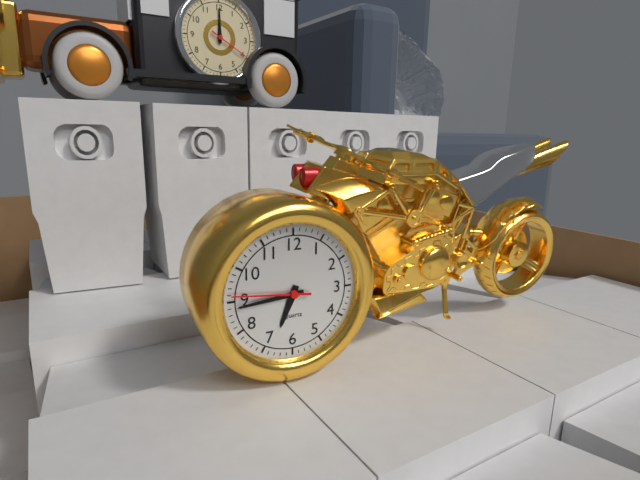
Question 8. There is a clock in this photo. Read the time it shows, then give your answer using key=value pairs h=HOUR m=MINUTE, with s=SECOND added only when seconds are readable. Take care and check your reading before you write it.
h=6 m=44 s=46
